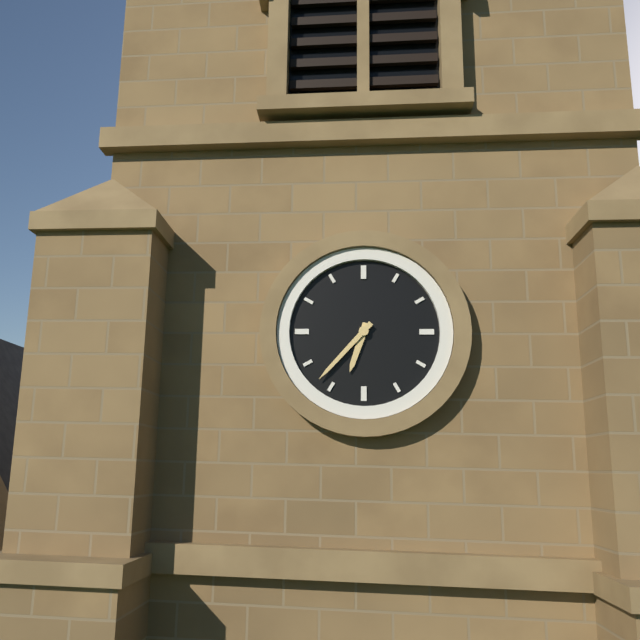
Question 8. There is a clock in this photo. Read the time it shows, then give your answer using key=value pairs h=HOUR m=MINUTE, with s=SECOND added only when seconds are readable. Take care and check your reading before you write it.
h=6 m=37
